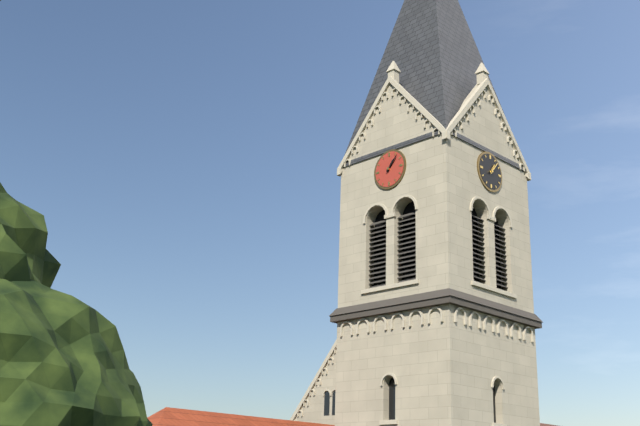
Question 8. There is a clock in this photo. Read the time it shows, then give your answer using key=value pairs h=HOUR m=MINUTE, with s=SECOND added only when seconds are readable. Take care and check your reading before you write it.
h=1 m=7
